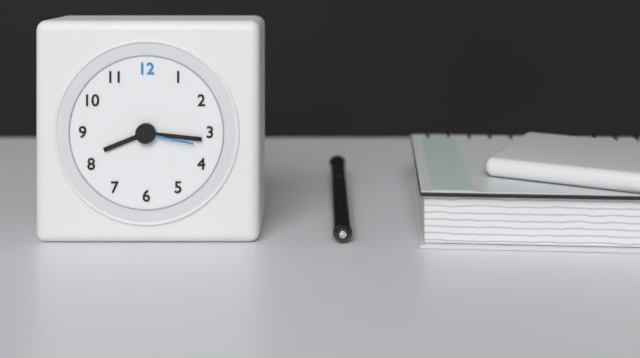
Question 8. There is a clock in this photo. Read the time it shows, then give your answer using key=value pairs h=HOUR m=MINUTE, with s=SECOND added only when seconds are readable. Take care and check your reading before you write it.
h=8 m=16 s=17
